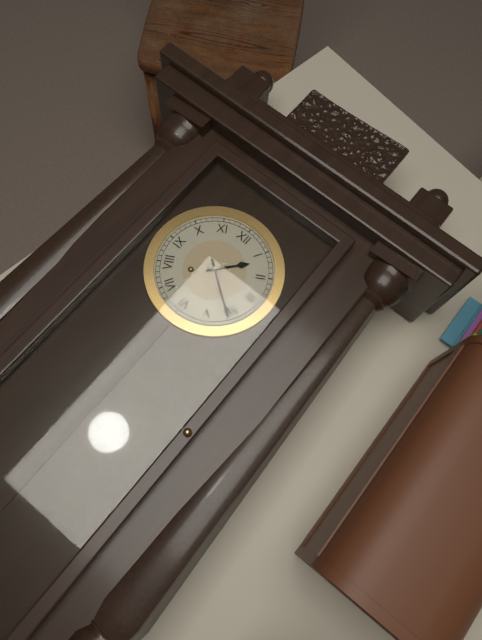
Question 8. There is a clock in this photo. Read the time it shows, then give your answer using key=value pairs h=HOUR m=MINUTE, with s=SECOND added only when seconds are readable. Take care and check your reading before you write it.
h=1 m=21
